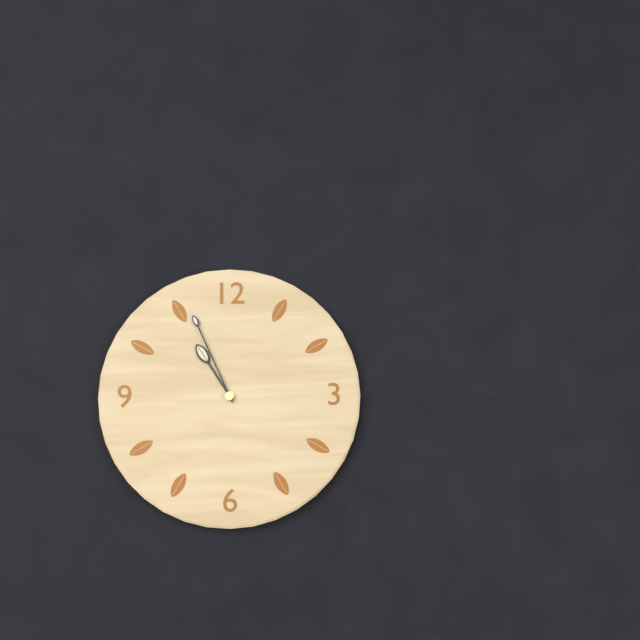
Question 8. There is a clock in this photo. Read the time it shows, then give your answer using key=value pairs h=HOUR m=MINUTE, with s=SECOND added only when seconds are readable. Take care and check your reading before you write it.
h=10 m=56
